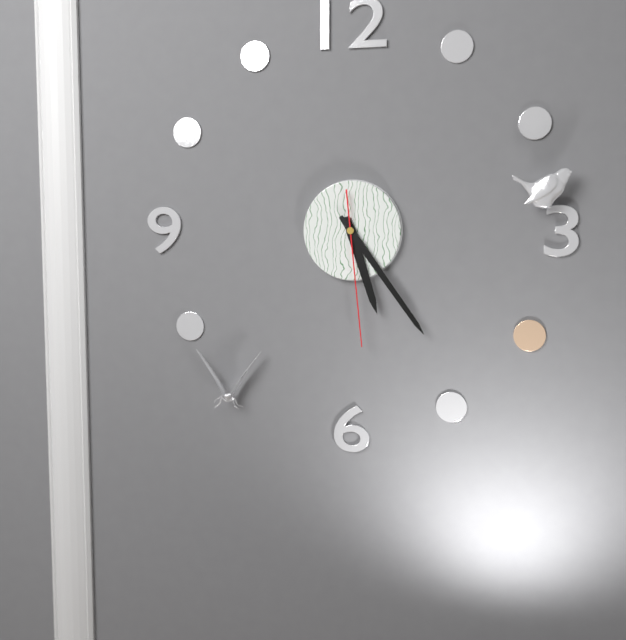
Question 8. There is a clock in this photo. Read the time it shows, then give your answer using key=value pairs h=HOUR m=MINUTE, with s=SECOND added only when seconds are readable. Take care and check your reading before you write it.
h=5 m=24 s=29
